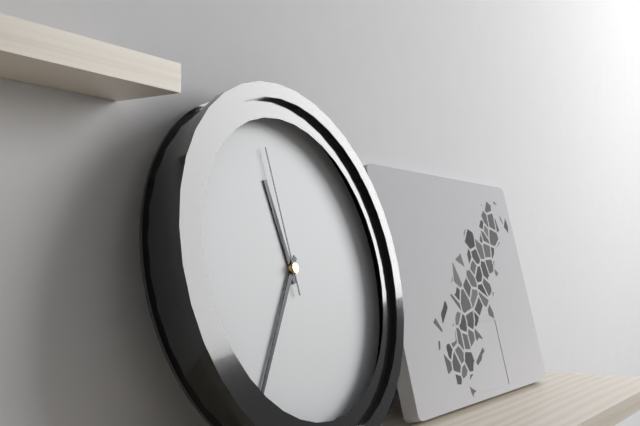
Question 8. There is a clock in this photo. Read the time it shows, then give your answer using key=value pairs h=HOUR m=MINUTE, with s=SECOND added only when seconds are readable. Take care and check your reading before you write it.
h=11 m=36 s=59
